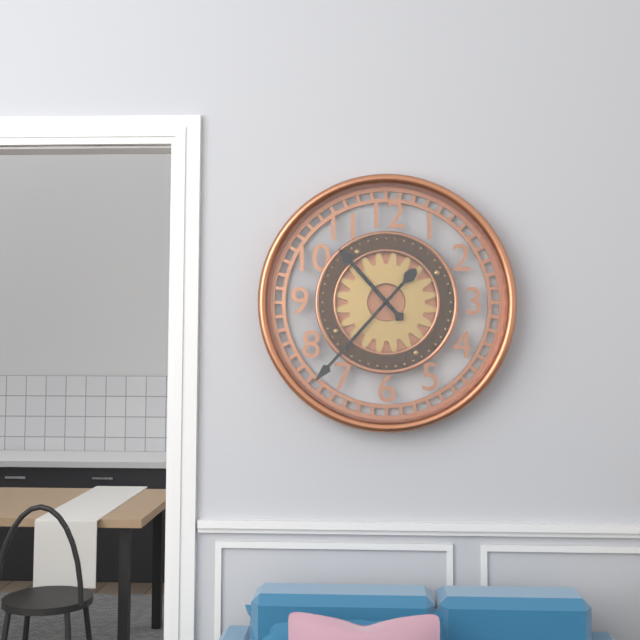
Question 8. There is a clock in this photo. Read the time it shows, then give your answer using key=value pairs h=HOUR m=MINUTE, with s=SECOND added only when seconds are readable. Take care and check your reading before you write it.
h=10 m=37
